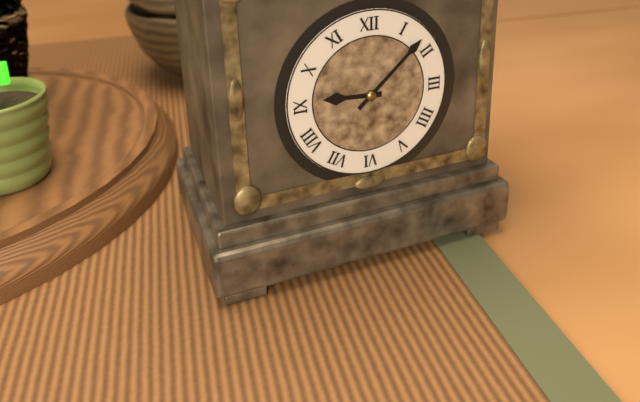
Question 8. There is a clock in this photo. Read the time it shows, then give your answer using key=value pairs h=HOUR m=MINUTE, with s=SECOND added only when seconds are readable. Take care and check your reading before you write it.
h=9 m=8
